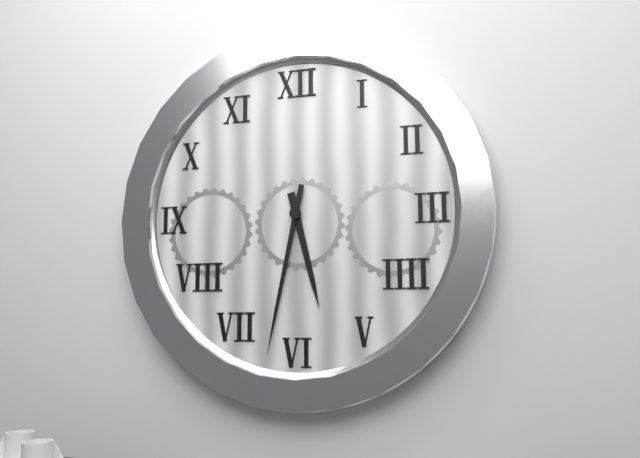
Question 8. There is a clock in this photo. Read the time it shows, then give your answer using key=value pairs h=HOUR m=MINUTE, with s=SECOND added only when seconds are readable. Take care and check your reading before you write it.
h=5 m=32
